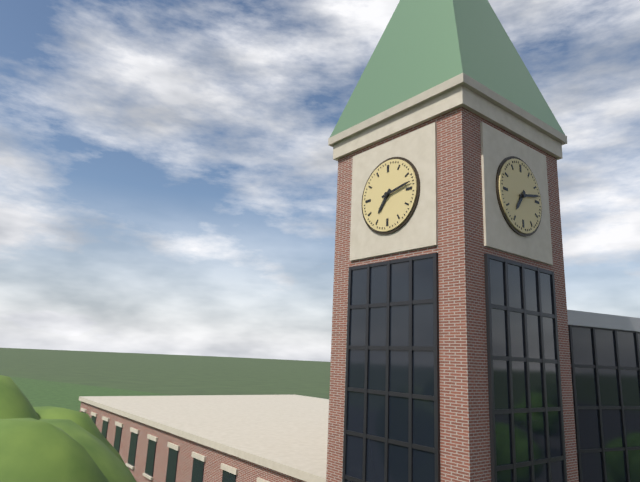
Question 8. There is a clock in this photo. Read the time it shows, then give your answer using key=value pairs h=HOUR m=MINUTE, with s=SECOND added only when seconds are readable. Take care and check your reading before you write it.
h=7 m=13
